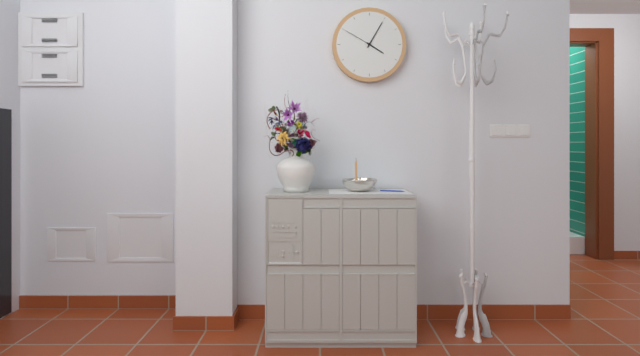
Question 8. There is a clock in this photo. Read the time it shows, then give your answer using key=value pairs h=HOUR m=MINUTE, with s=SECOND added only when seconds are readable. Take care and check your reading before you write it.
h=4 m=5
